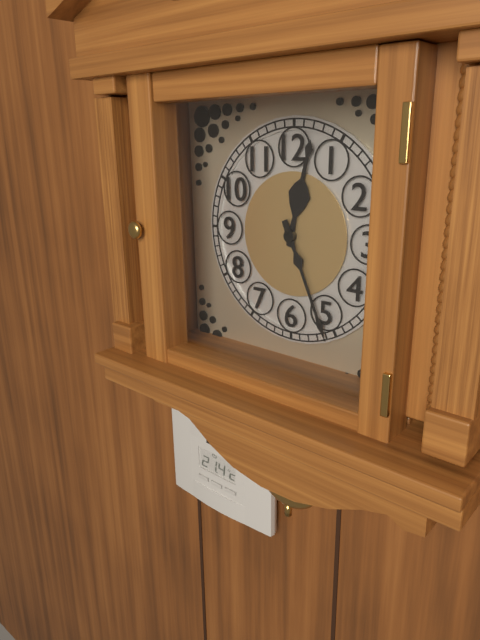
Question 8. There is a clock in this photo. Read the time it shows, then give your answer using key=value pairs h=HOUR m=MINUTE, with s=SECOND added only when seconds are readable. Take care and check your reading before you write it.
h=12 m=26
